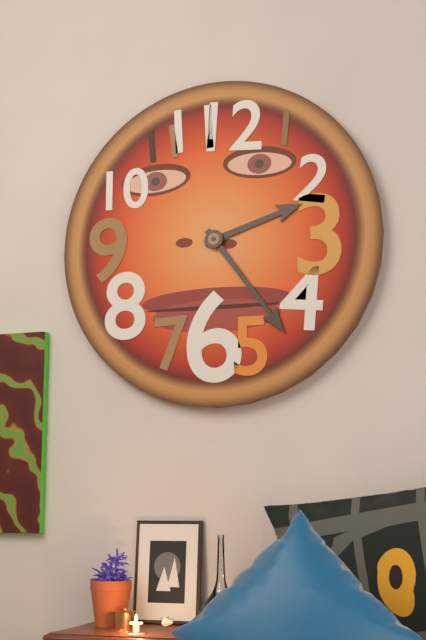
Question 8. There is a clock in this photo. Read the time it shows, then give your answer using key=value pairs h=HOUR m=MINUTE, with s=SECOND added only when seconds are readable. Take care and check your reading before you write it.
h=2 m=24
